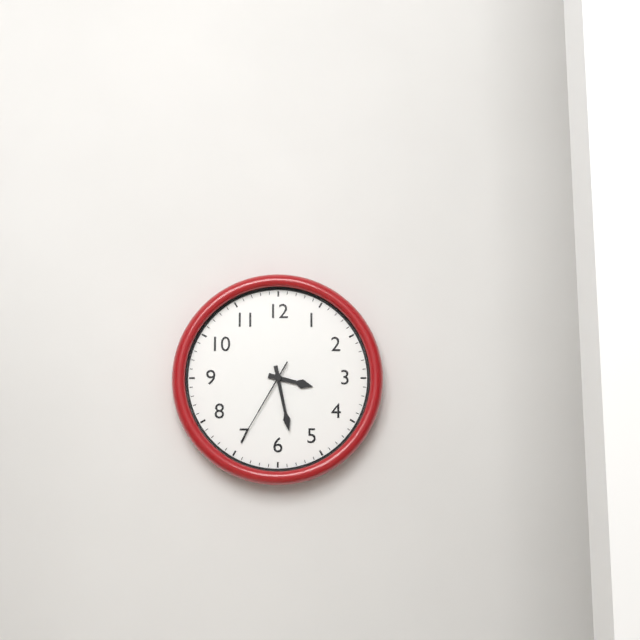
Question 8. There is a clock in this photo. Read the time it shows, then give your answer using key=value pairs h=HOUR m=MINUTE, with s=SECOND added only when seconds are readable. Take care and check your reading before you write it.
h=3 m=28 s=35
